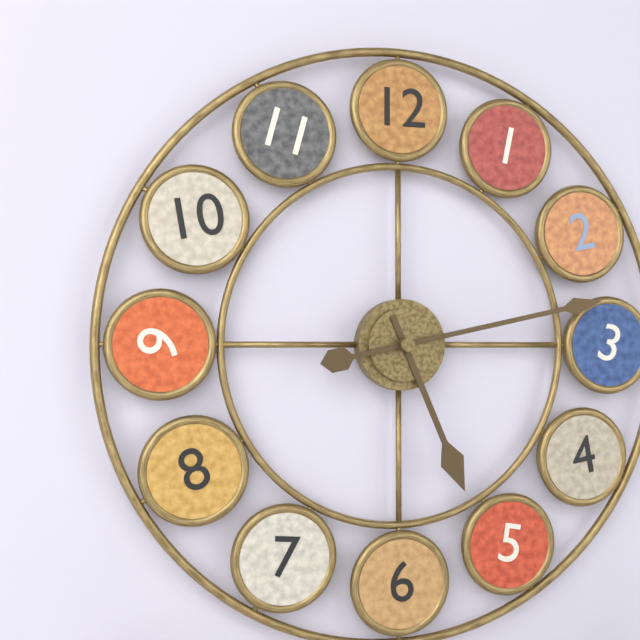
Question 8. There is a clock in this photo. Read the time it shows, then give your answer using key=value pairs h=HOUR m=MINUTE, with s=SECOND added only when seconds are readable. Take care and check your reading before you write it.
h=5 m=13
